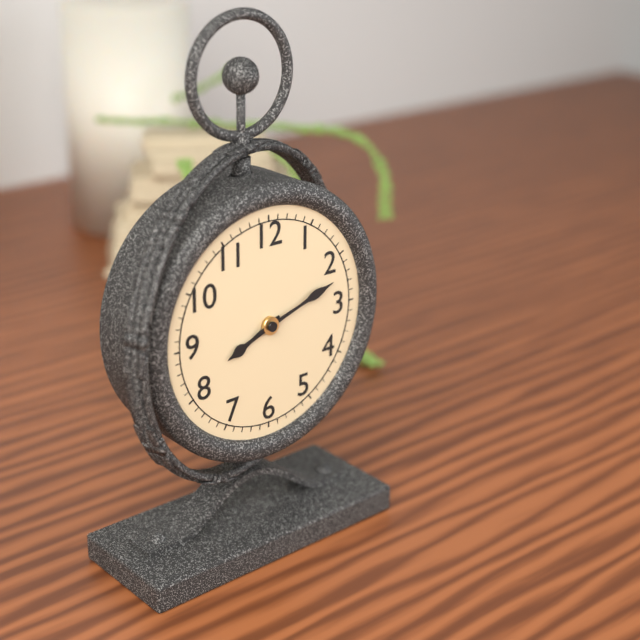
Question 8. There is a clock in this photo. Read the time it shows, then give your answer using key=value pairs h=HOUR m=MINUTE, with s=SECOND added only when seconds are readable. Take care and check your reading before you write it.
h=8 m=12
